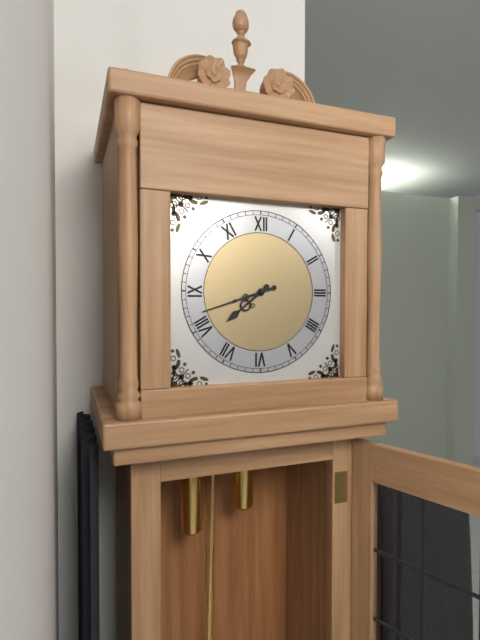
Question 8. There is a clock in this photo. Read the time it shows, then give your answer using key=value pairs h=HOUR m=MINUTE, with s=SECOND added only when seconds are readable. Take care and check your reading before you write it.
h=7 m=42
